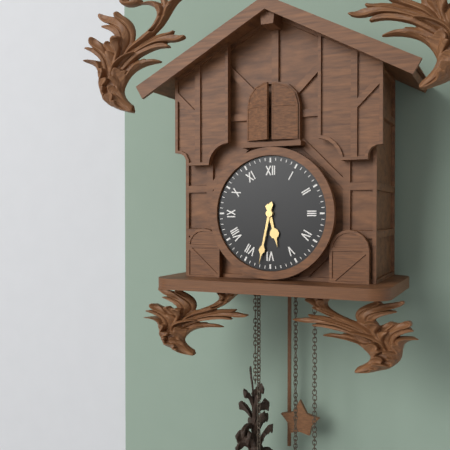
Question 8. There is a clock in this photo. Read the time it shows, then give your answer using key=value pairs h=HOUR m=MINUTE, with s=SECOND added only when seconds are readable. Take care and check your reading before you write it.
h=5 m=32
